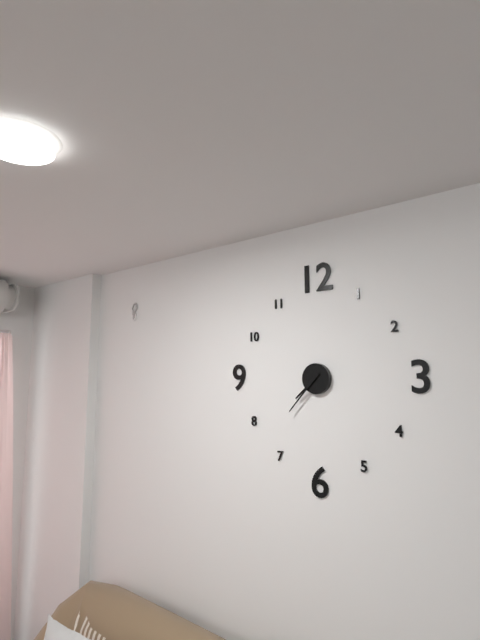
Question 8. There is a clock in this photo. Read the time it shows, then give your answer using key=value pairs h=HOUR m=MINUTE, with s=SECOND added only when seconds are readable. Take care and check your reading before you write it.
h=7 m=37
